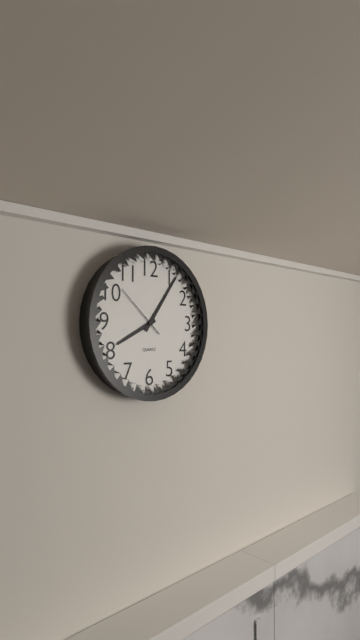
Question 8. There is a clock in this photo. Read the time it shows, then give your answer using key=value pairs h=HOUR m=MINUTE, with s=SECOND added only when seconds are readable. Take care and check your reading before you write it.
h=8 m=6 s=52
